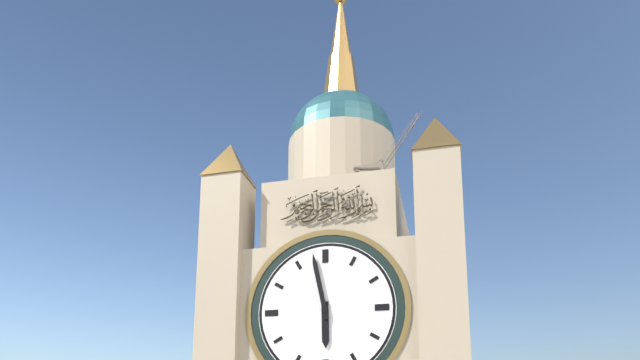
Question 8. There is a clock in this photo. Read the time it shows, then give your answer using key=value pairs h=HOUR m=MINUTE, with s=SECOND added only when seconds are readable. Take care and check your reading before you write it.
h=5 m=58
